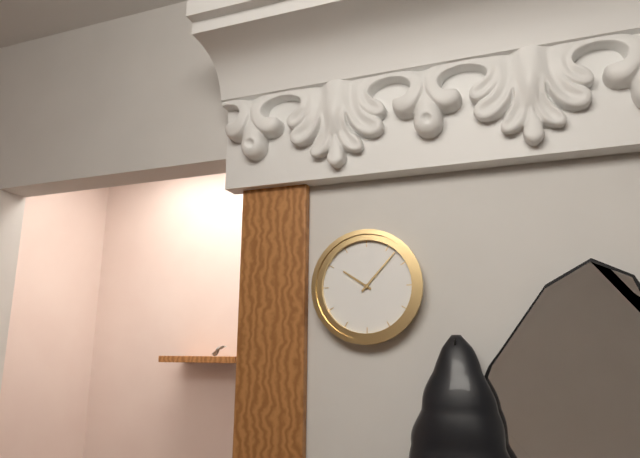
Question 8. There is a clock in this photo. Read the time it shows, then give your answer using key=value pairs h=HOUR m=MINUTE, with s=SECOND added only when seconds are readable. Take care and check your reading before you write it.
h=10 m=7
